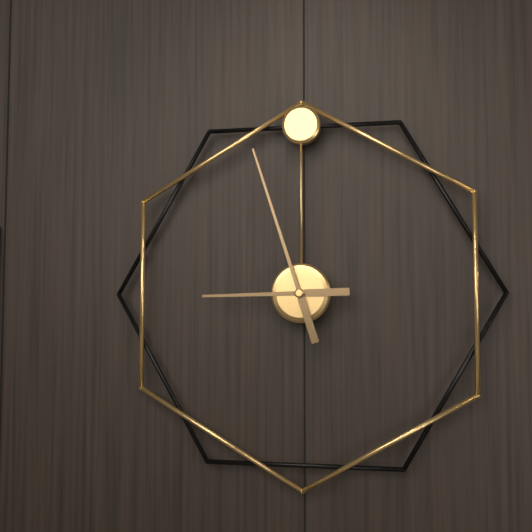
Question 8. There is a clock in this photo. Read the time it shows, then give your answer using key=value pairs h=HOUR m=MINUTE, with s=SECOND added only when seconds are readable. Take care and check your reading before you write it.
h=8 m=57
